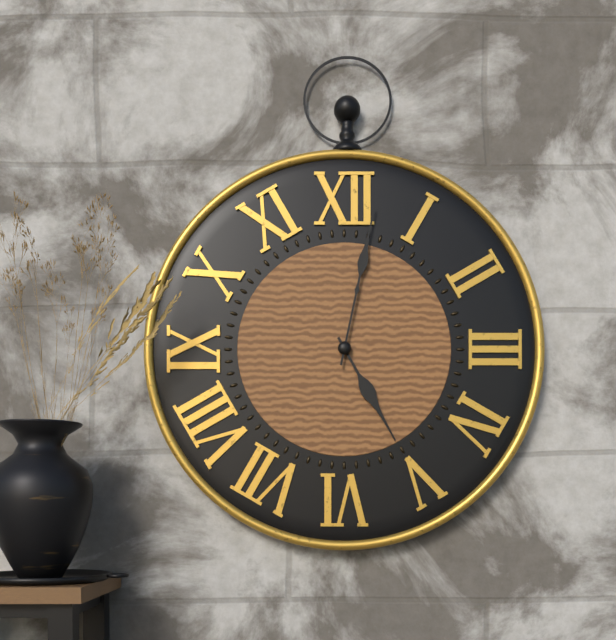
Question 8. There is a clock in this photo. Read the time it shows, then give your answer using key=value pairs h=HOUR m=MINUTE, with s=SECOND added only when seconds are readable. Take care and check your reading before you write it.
h=5 m=2
